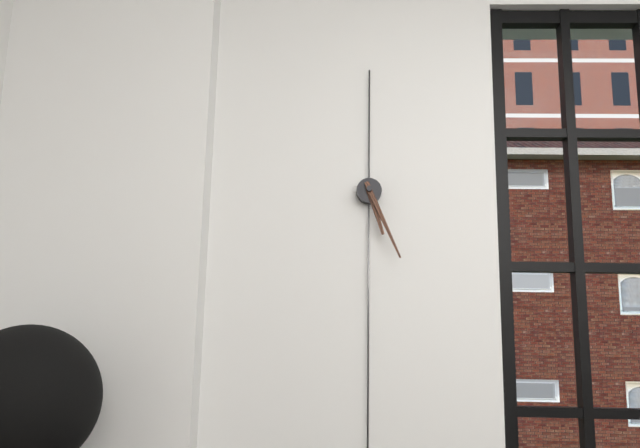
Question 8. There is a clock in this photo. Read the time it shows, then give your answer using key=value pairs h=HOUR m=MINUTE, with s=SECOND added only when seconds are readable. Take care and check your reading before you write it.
h=5 m=26
